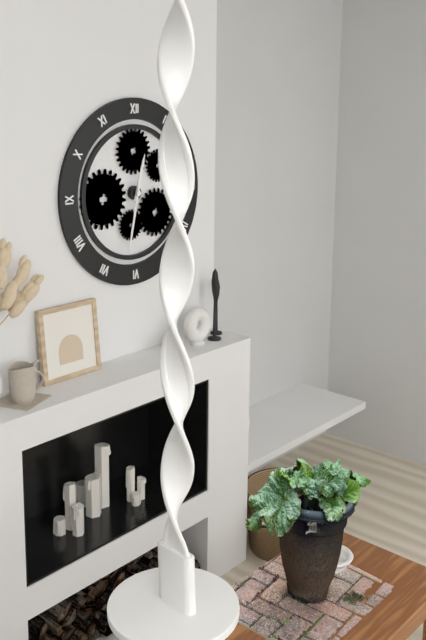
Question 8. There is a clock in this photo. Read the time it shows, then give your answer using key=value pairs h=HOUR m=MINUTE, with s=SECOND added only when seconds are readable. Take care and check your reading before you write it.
h=12 m=32
